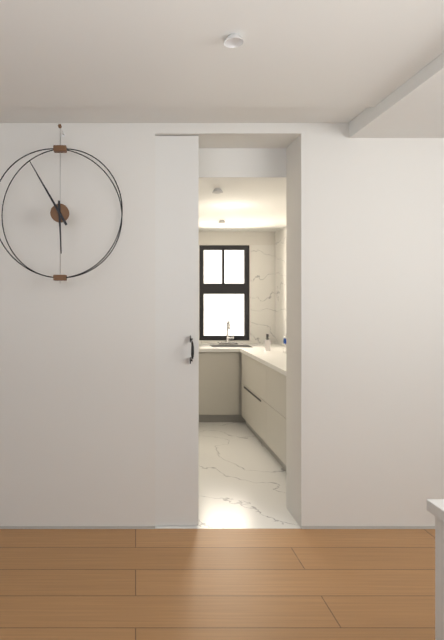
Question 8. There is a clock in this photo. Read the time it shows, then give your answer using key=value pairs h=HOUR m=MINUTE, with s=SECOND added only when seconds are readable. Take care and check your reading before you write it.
h=5 m=55
